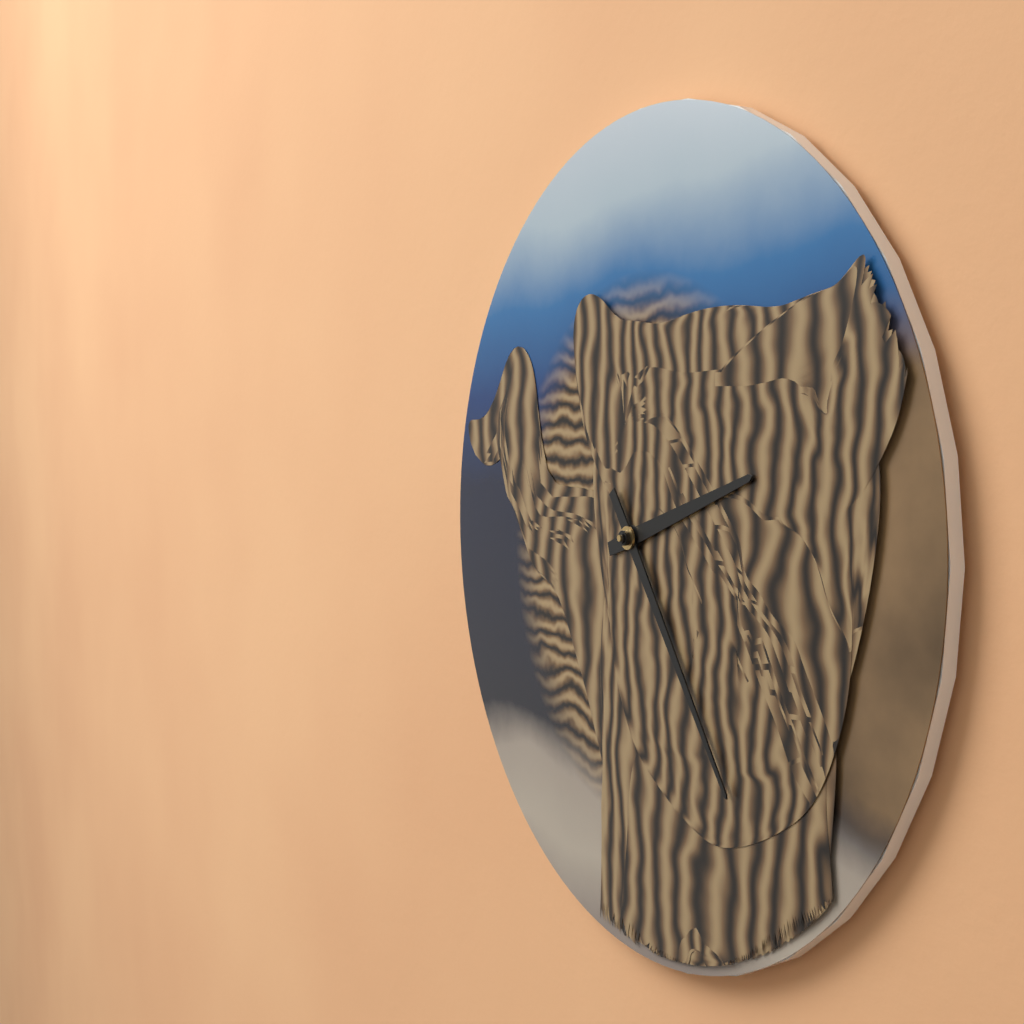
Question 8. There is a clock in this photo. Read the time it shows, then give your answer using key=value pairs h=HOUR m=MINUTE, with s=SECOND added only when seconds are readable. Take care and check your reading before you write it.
h=2 m=24
